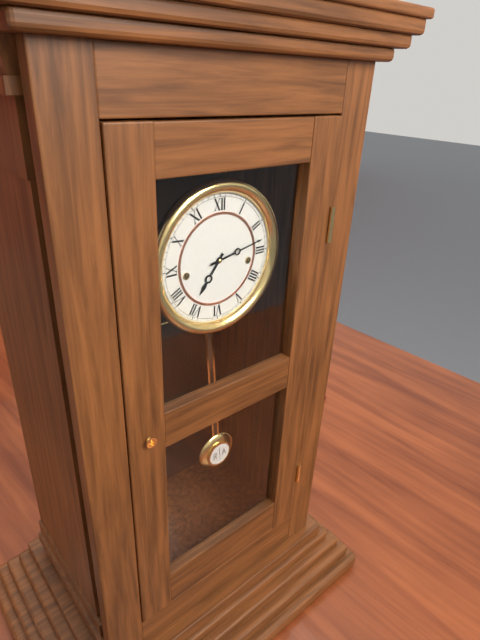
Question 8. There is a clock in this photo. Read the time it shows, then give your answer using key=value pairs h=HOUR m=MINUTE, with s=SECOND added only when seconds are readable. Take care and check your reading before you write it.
h=7 m=13
